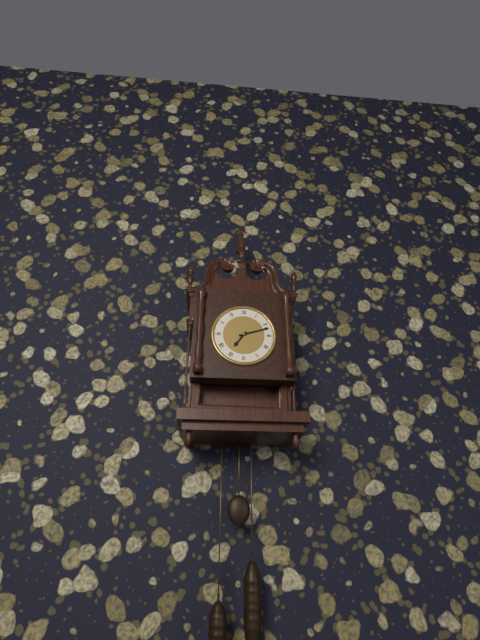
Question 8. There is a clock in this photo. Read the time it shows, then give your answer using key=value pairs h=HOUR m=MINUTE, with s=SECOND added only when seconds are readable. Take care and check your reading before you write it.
h=7 m=12
